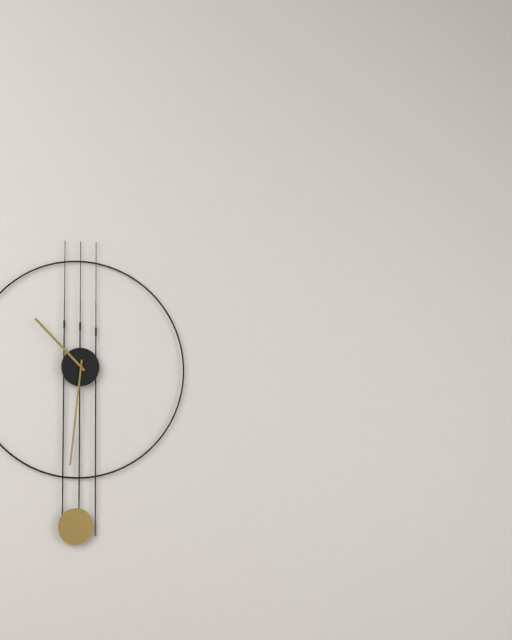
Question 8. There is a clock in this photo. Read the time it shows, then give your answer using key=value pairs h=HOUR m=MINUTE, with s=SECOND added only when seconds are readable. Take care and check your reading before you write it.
h=10 m=31
